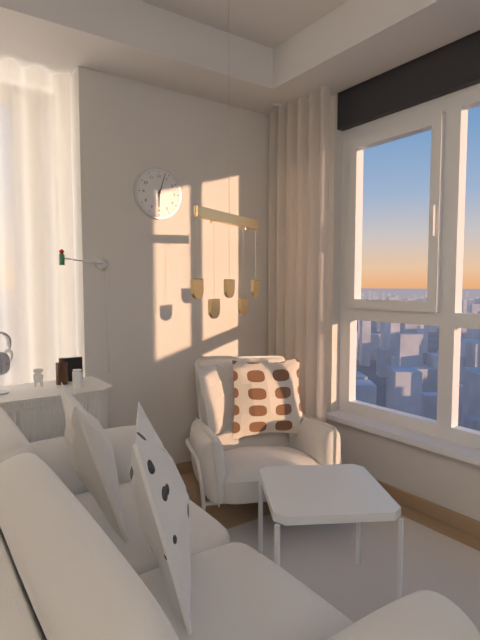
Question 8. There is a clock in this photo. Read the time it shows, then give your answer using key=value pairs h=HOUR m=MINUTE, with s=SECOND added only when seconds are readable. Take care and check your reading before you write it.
h=6 m=3
